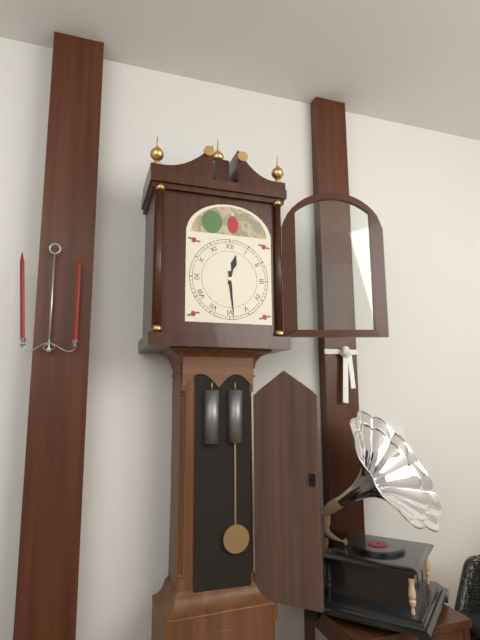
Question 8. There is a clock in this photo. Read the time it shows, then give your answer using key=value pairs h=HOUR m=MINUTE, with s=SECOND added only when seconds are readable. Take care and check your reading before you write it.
h=12 m=29
